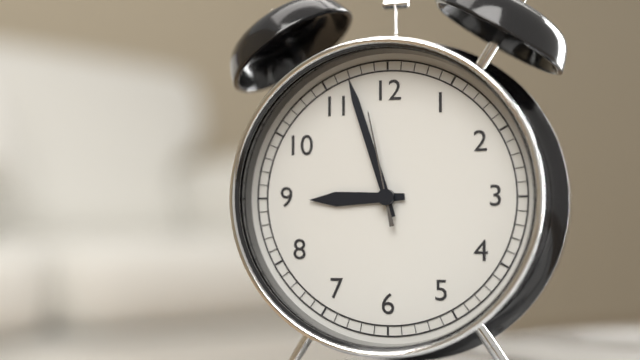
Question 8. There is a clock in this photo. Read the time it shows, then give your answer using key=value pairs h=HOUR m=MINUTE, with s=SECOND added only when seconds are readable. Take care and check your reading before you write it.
h=8 m=57 s=58
